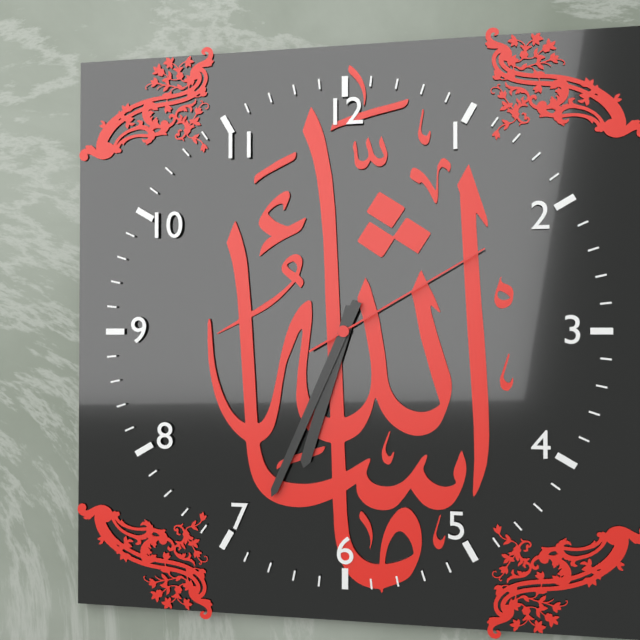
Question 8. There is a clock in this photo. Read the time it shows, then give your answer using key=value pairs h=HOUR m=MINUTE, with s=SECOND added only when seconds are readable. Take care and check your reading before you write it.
h=6 m=34 s=10
